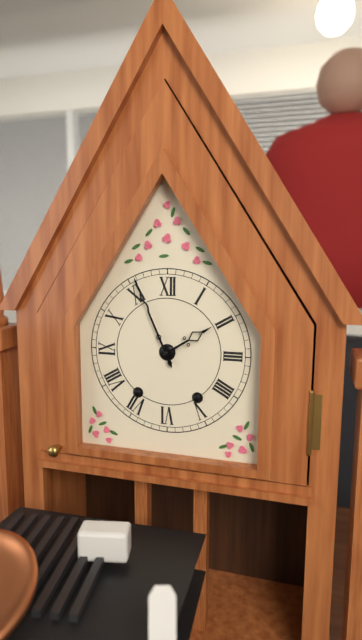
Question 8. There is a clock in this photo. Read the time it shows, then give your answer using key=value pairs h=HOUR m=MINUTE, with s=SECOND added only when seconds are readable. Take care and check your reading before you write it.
h=1 m=56
